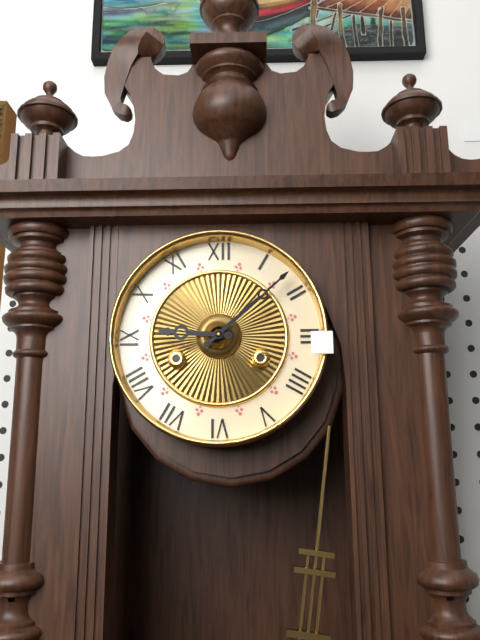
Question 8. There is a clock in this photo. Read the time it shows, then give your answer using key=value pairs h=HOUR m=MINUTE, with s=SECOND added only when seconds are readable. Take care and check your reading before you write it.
h=9 m=8
